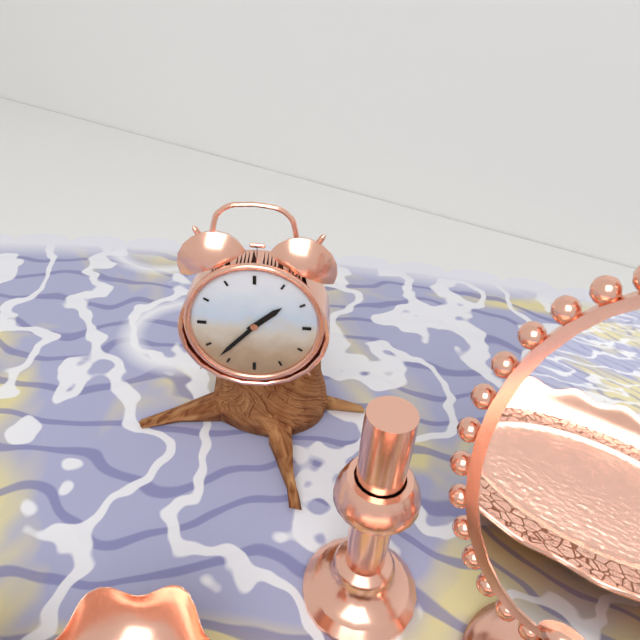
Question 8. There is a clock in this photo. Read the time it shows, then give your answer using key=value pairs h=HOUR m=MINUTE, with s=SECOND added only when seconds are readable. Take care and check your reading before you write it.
h=1 m=37
